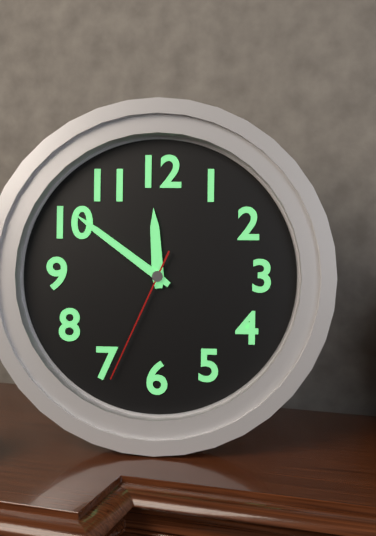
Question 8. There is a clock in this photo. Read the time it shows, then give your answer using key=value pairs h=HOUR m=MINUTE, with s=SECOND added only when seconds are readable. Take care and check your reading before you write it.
h=11 m=51 s=34
